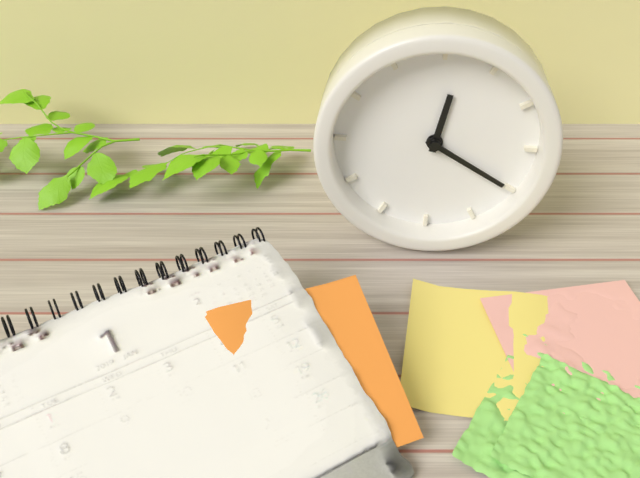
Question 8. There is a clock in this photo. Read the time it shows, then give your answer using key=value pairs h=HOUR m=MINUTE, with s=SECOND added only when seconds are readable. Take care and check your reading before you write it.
h=12 m=20
